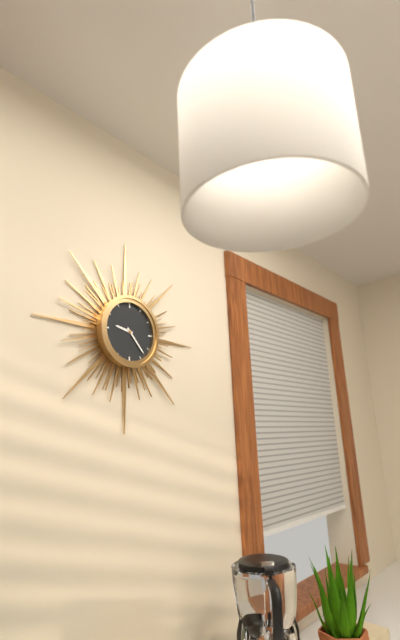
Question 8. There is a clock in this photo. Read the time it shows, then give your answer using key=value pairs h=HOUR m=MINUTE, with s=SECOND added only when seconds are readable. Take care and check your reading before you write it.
h=9 m=23
